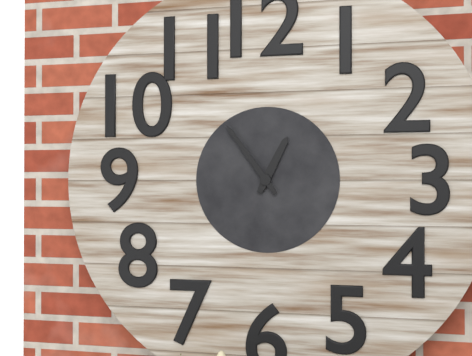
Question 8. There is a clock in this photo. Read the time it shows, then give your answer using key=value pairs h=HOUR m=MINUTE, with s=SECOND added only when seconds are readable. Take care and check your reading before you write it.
h=12 m=54
